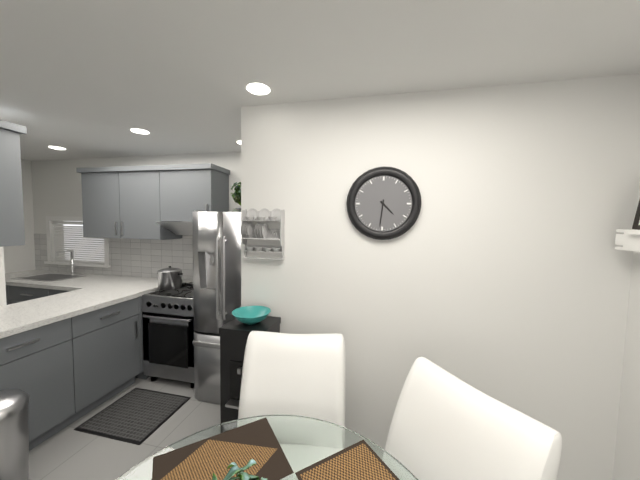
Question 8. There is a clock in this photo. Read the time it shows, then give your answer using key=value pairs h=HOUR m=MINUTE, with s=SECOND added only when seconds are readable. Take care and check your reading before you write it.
h=4 m=31
